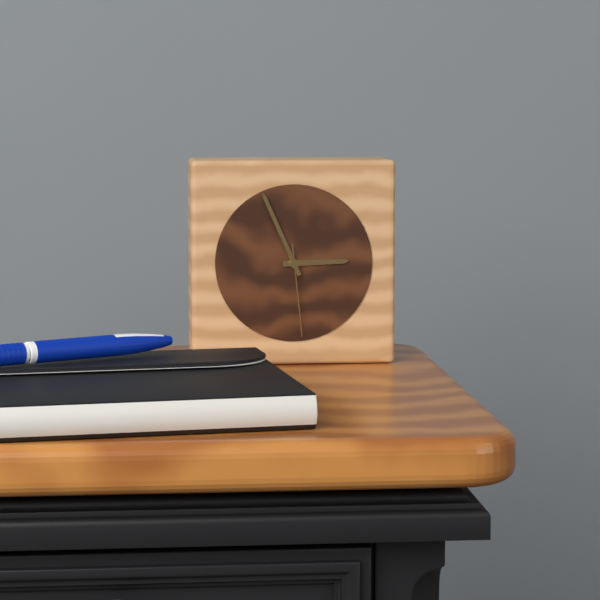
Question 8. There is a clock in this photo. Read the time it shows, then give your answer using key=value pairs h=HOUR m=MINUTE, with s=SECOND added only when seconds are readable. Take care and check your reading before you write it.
h=2 m=56 s=29
